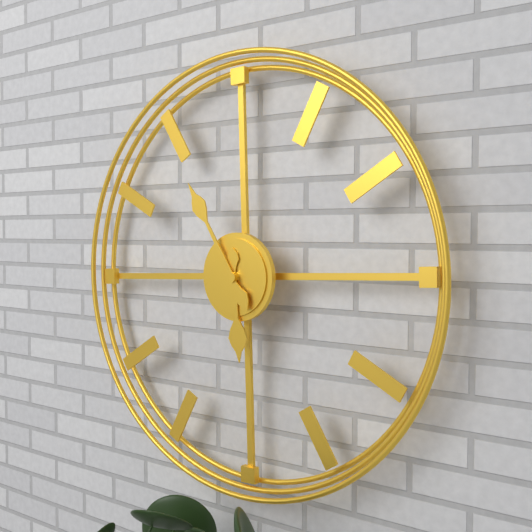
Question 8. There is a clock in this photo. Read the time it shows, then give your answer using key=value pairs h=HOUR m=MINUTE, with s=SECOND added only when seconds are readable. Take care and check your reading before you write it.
h=5 m=55
